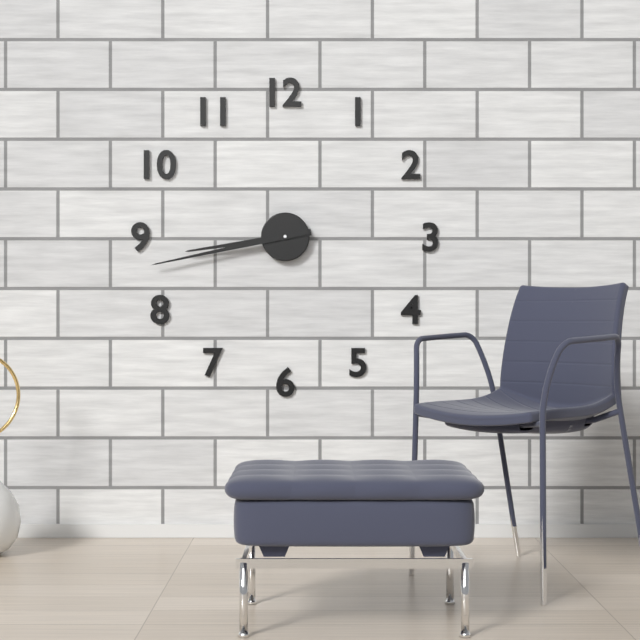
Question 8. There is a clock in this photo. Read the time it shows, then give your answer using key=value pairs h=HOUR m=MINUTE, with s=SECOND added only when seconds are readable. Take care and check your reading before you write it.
h=8 m=43
